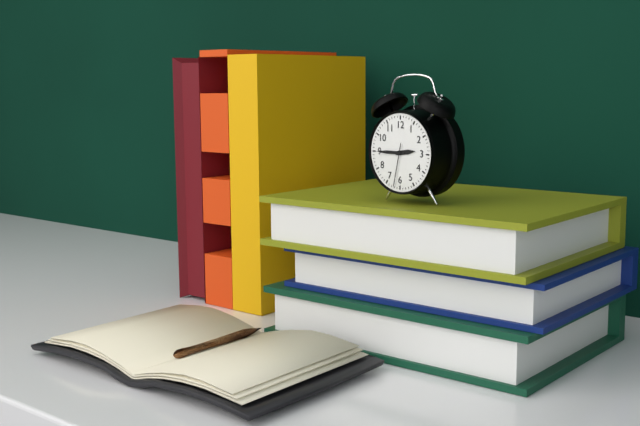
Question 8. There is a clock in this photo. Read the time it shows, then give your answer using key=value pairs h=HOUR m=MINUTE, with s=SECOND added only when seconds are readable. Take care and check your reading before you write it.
h=2 m=45
